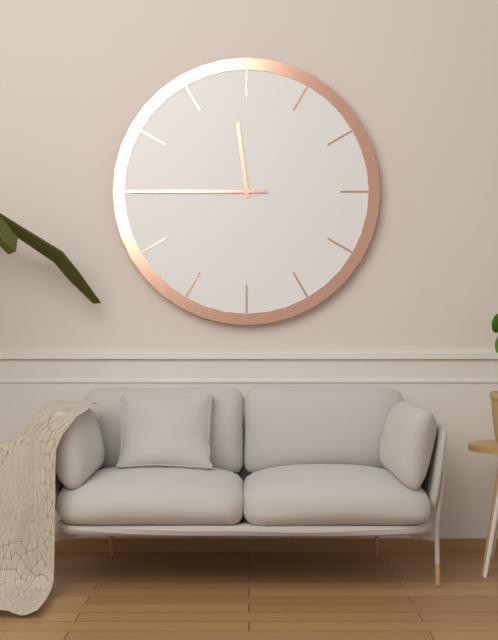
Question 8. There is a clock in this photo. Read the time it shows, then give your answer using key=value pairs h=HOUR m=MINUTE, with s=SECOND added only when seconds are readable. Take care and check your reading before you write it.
h=11 m=45
